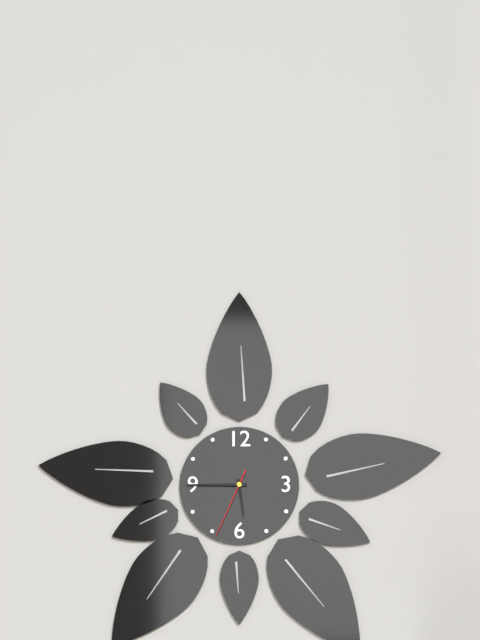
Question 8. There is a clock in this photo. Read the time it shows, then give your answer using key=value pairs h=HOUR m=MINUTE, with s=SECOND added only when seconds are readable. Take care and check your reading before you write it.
h=5 m=45 s=34
